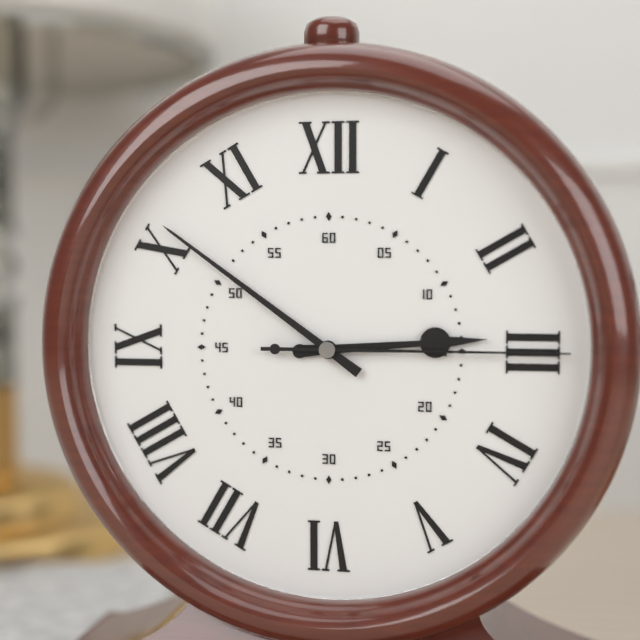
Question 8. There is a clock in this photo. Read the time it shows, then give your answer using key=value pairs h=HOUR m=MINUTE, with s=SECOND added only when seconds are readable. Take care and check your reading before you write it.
h=2 m=51 s=15
